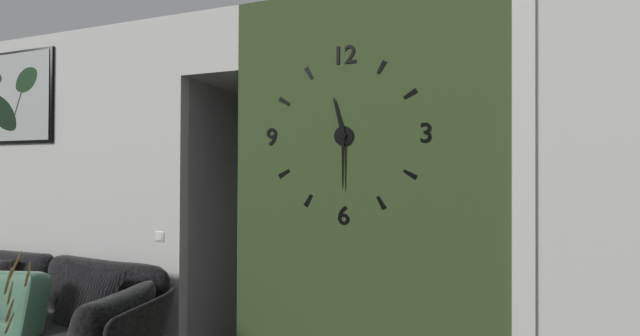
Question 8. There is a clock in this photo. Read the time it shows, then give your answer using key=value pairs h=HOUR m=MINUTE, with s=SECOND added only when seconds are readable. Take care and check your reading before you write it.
h=11 m=30
